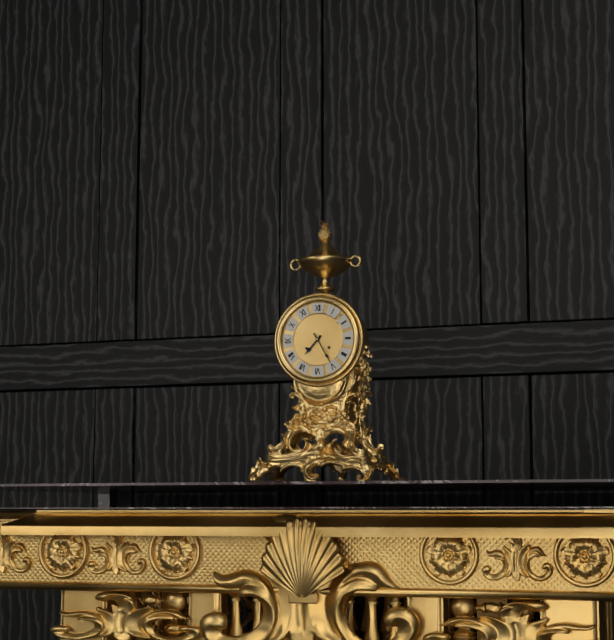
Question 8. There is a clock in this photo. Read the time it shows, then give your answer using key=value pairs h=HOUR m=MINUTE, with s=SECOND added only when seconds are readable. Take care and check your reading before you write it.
h=7 m=25
